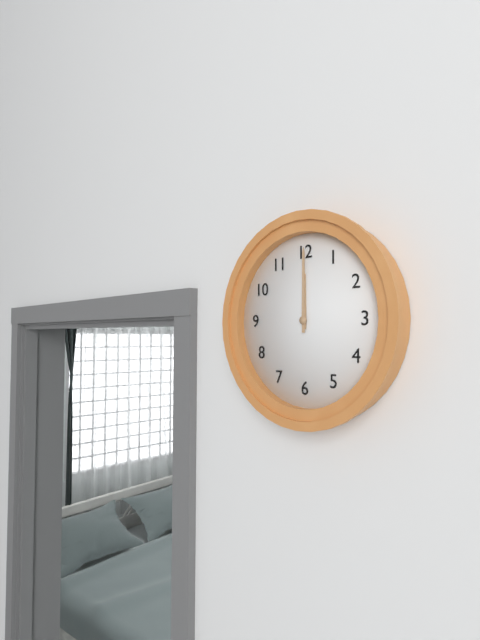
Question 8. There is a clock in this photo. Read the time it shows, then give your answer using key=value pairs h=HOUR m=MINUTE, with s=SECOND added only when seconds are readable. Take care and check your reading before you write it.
h=12 m=0
